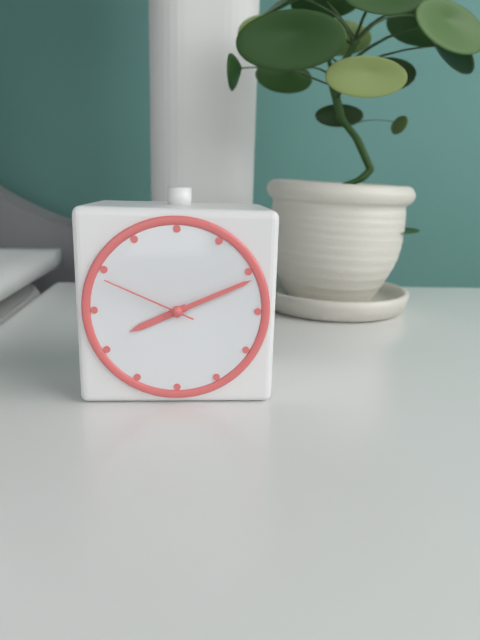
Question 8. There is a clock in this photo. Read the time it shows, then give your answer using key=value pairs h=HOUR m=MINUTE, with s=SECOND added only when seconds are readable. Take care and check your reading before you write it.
h=8 m=11 s=49
